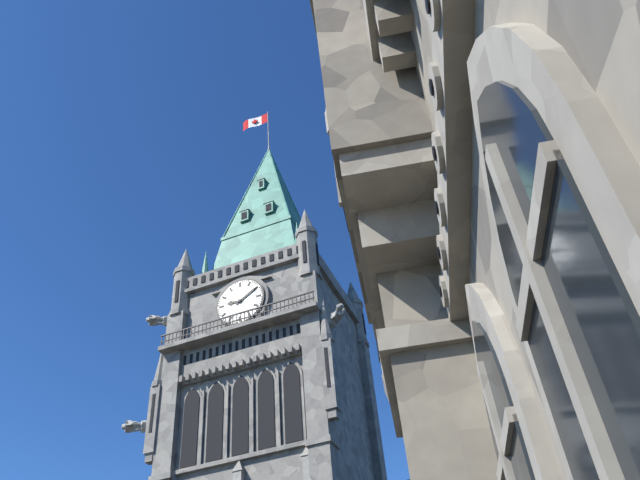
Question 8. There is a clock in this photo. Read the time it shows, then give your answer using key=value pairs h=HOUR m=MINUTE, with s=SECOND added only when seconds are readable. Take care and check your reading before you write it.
h=9 m=10
